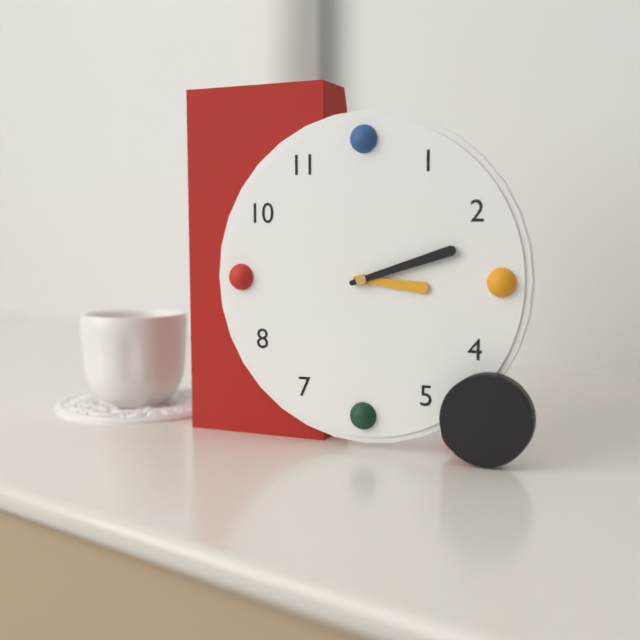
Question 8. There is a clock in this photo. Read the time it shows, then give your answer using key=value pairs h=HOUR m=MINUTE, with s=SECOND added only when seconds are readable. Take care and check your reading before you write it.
h=3 m=12
